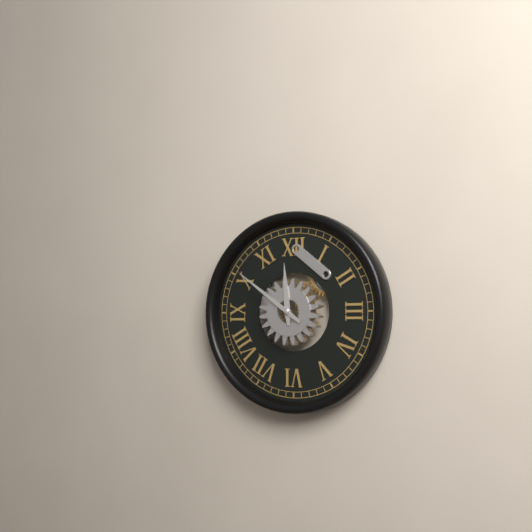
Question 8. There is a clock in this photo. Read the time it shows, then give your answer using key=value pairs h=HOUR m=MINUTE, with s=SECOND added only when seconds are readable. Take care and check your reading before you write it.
h=11 m=51
